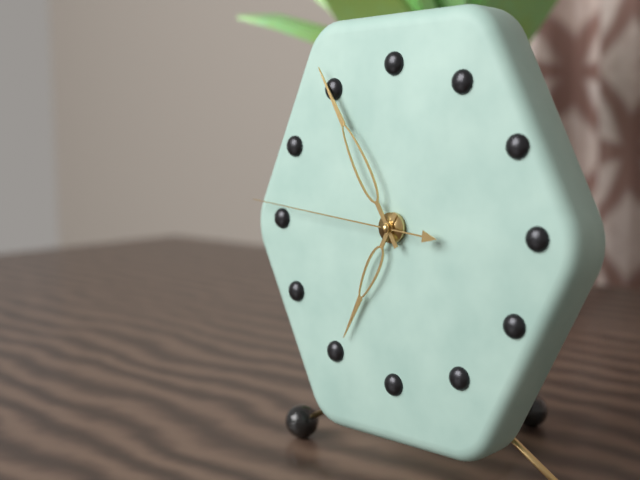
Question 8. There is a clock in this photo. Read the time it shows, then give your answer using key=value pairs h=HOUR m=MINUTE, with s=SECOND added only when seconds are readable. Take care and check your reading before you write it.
h=6 m=55 s=46
